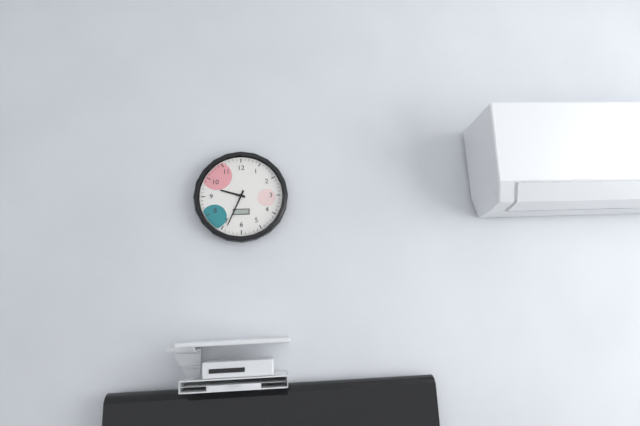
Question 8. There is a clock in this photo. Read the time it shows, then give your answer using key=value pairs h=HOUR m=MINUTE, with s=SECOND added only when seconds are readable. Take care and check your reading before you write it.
h=9 m=34
